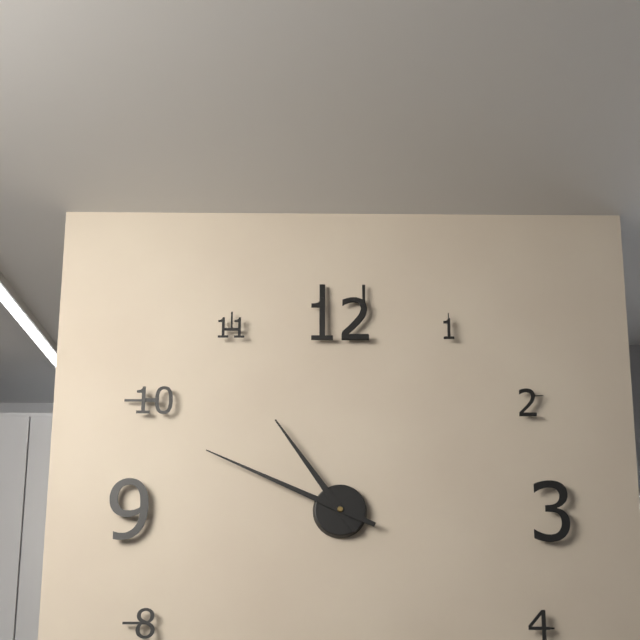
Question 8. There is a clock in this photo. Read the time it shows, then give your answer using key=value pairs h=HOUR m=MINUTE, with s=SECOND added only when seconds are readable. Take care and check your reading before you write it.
h=10 m=49
